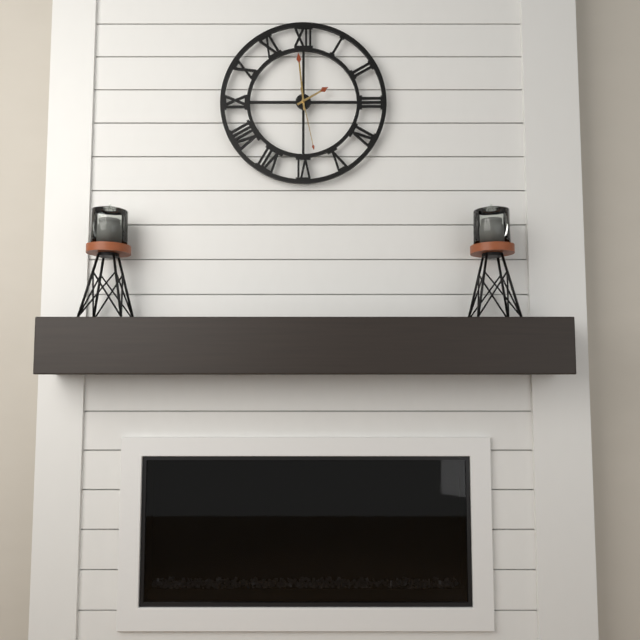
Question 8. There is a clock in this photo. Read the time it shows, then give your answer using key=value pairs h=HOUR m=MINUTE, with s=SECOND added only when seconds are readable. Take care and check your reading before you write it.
h=1 m=59 s=28
